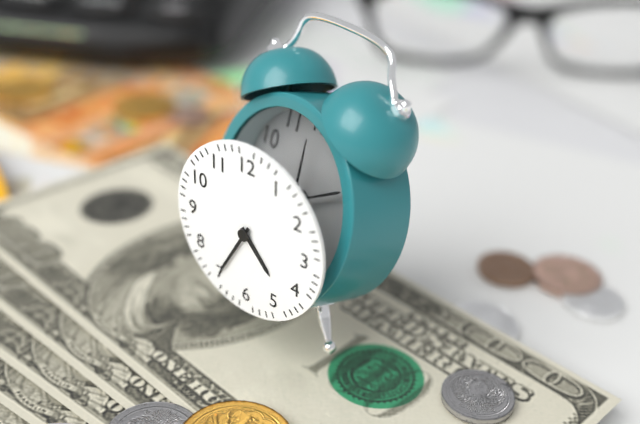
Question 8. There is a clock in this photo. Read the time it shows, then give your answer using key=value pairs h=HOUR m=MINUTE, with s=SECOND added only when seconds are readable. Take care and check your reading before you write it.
h=4 m=35
